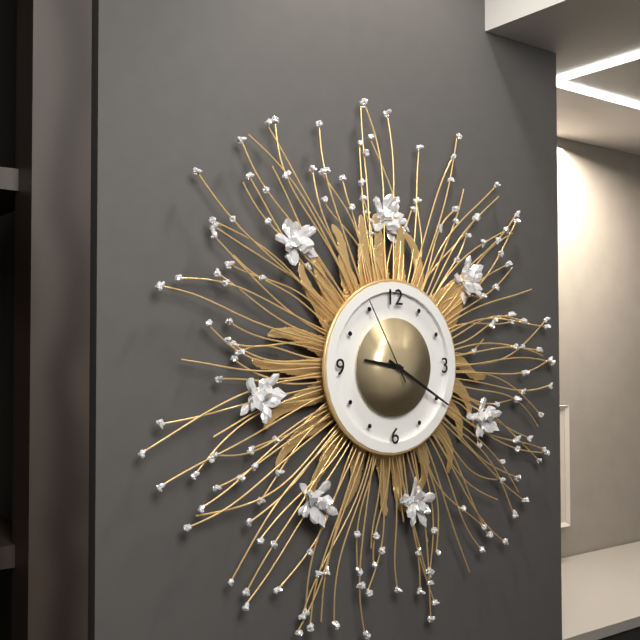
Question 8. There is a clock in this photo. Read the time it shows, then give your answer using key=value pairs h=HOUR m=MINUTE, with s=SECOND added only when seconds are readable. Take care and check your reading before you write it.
h=9 m=20 s=55
